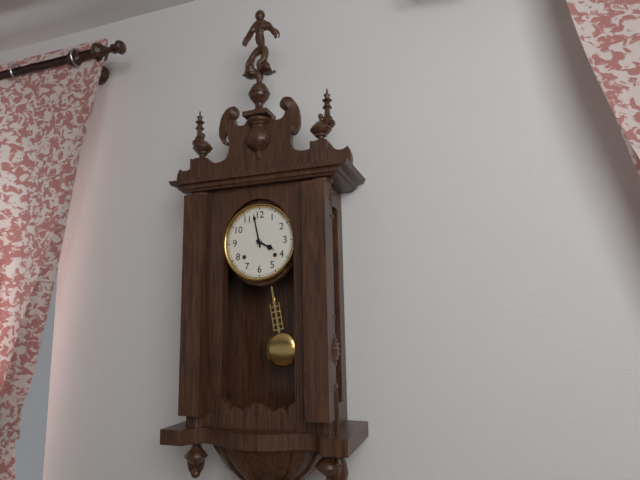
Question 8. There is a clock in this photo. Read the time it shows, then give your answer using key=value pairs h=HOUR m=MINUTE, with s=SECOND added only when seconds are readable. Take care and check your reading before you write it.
h=3 m=58
